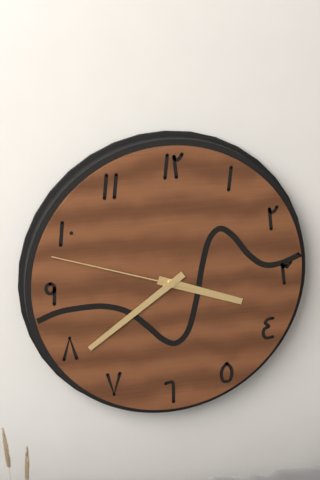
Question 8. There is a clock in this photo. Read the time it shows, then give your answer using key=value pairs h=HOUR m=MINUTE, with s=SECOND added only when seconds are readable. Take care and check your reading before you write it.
h=3 m=39 s=48
